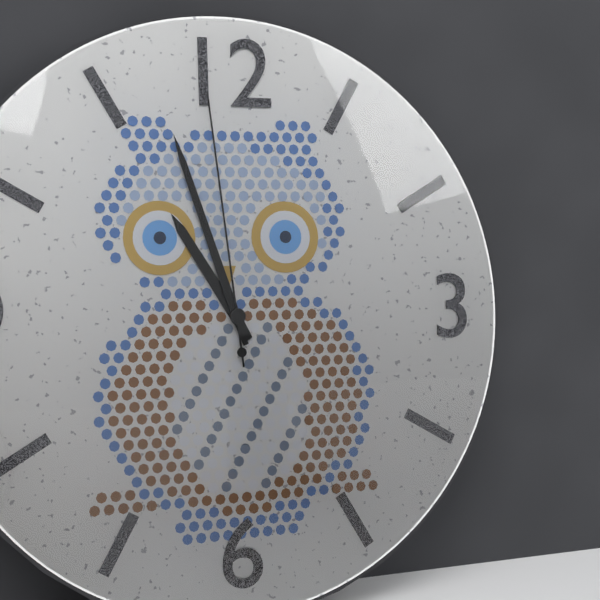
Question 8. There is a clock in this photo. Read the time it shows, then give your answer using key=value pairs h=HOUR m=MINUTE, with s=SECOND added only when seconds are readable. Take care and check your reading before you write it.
h=10 m=57 s=59
